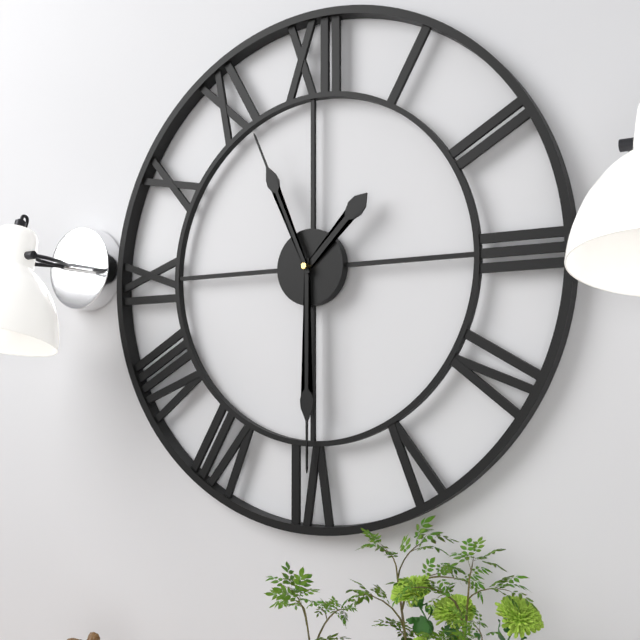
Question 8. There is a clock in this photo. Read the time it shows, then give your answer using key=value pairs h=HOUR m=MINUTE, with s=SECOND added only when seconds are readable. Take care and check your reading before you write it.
h=1 m=30 s=56
